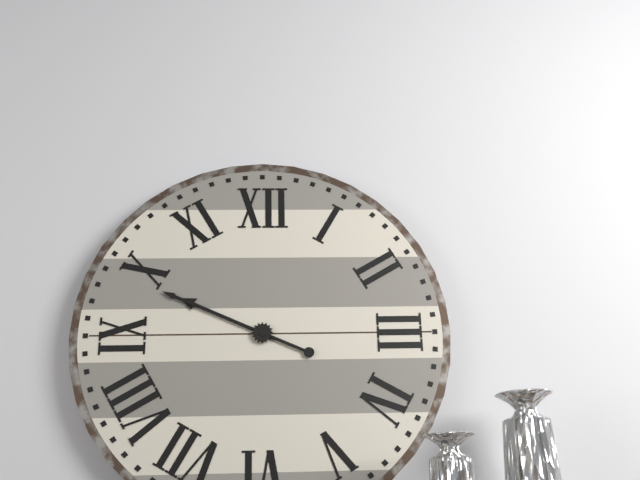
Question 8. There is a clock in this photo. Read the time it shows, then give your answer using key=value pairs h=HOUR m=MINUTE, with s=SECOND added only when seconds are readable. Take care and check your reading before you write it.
h=9 m=49
